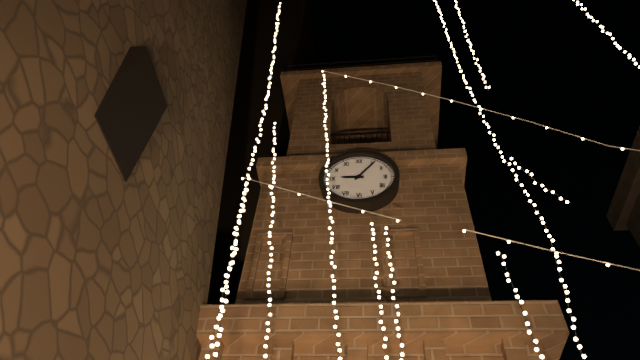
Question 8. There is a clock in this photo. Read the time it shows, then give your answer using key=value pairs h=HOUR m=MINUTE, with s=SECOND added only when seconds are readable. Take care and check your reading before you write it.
h=9 m=6
